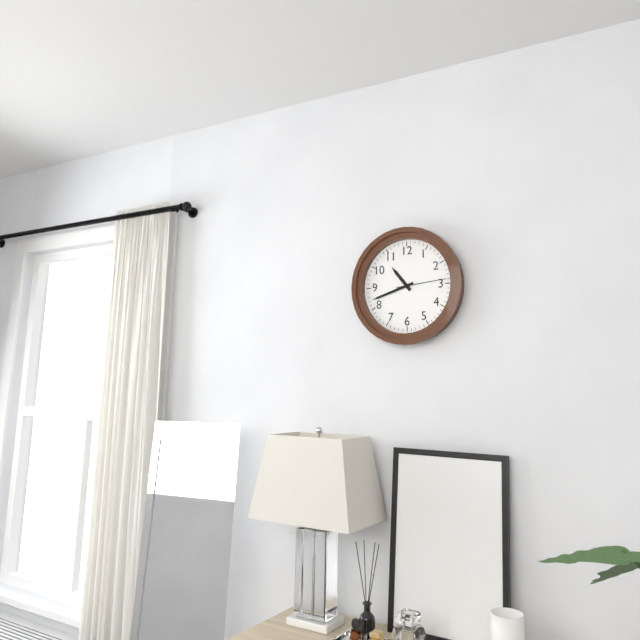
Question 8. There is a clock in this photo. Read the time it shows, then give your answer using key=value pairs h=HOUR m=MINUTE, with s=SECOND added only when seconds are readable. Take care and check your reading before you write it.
h=10 m=42 s=14
